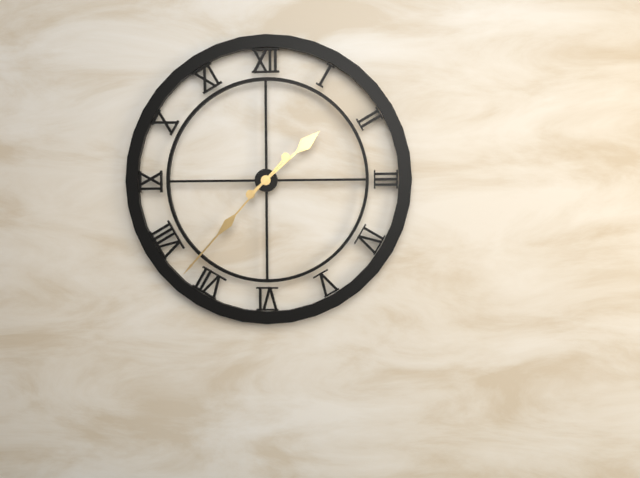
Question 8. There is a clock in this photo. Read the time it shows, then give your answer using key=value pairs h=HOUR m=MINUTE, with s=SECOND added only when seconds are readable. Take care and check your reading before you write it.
h=1 m=37
